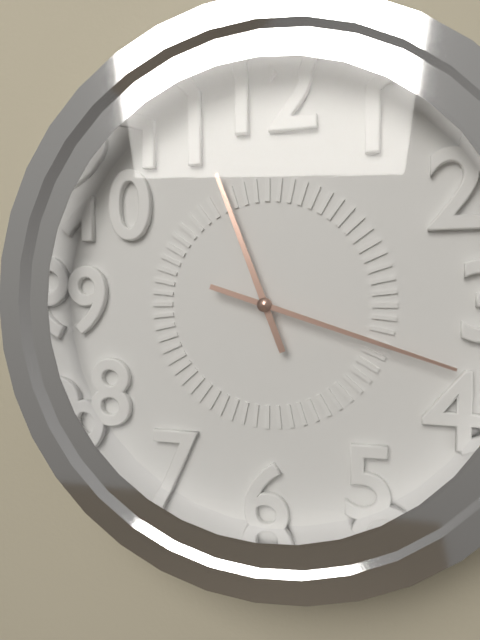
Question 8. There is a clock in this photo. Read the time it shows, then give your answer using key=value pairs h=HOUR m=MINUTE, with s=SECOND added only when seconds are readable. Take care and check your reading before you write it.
h=11 m=18
